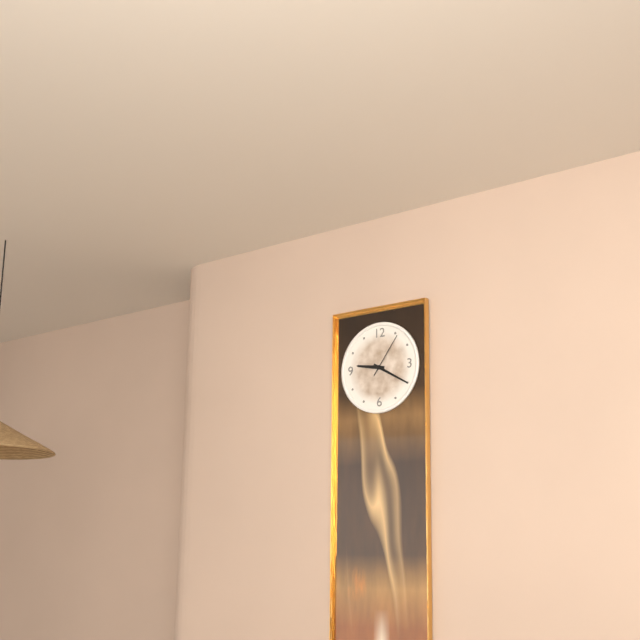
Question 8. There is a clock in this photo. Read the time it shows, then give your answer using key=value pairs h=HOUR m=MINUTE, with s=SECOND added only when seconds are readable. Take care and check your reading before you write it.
h=9 m=20
